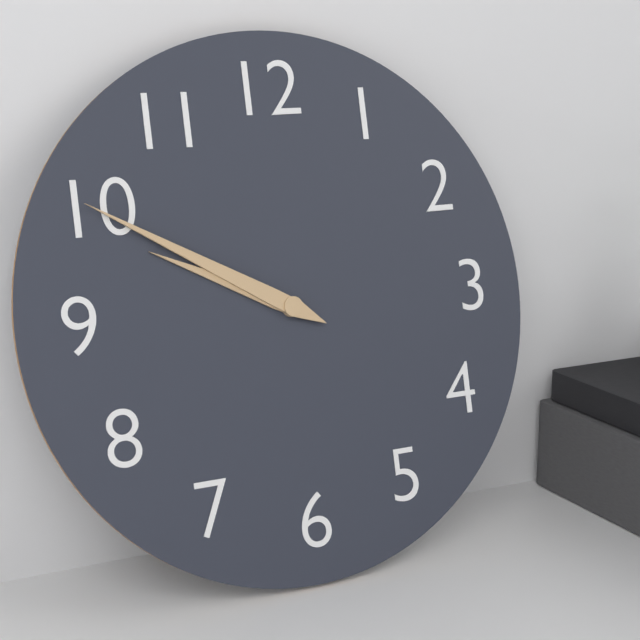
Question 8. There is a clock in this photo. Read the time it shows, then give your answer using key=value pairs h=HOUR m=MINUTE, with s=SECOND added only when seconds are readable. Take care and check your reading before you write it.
h=9 m=50
